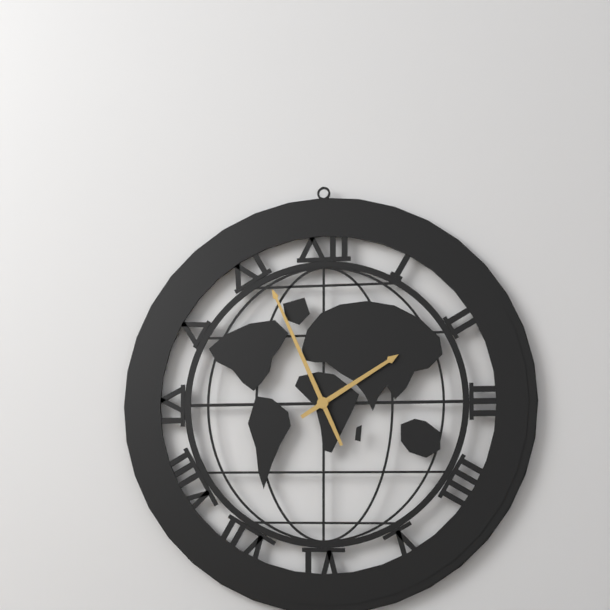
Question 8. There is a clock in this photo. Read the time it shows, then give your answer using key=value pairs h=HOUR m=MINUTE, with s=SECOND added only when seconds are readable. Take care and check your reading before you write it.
h=1 m=56
